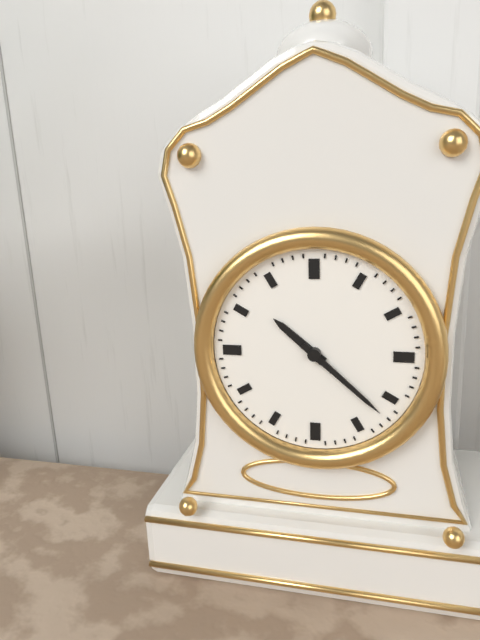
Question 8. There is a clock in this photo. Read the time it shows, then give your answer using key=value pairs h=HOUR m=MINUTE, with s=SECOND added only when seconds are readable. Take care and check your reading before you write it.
h=10 m=22
